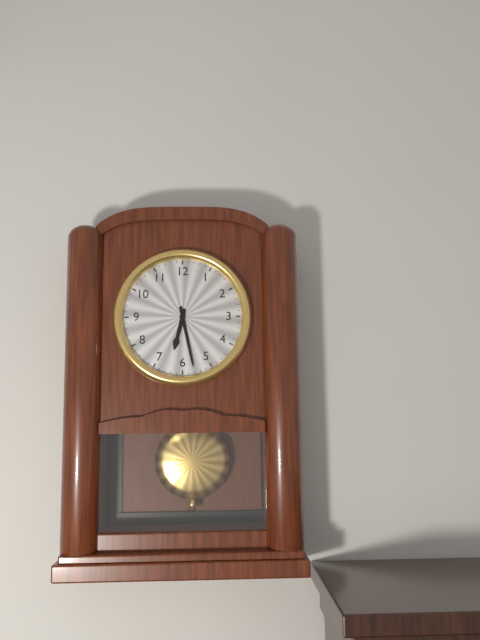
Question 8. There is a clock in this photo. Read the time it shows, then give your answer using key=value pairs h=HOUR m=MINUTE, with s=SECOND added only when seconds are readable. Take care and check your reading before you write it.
h=6 m=28
